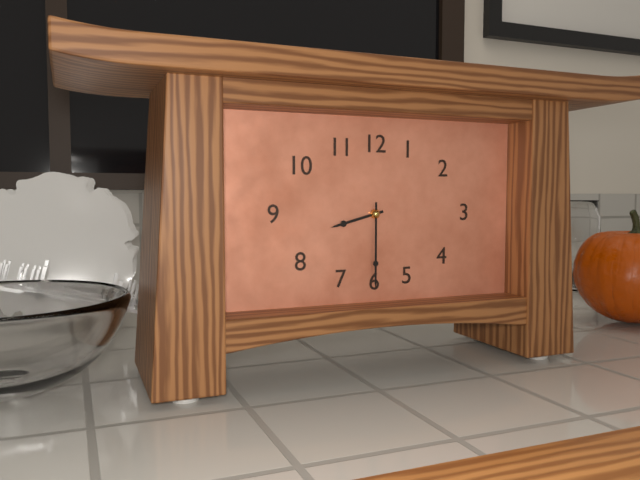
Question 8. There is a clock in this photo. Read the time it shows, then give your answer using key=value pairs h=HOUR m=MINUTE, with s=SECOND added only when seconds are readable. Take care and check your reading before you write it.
h=8 m=30
